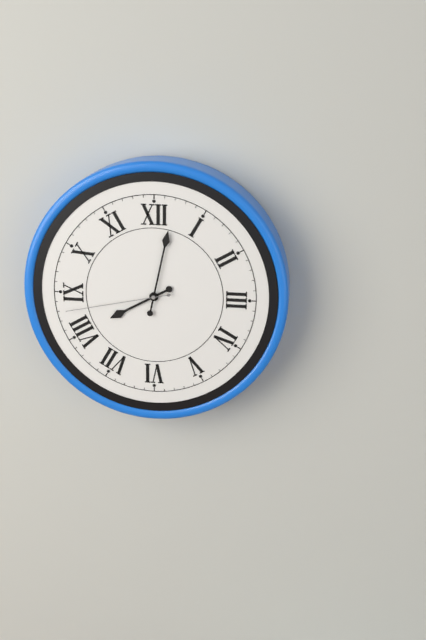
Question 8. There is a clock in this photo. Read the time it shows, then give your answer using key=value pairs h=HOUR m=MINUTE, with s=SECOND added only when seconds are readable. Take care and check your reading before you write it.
h=8 m=2 s=43
